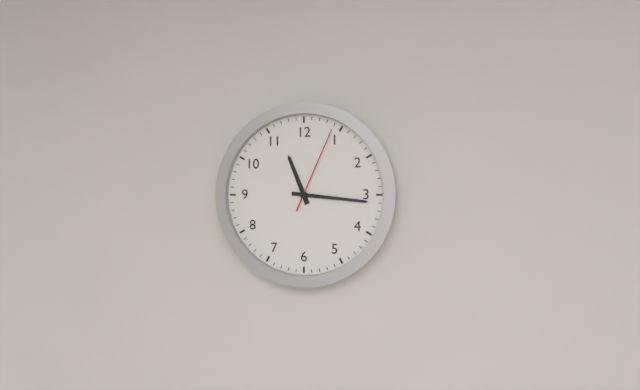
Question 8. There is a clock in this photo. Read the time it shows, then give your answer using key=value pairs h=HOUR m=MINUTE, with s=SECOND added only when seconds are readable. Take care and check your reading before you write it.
h=11 m=16 s=4
